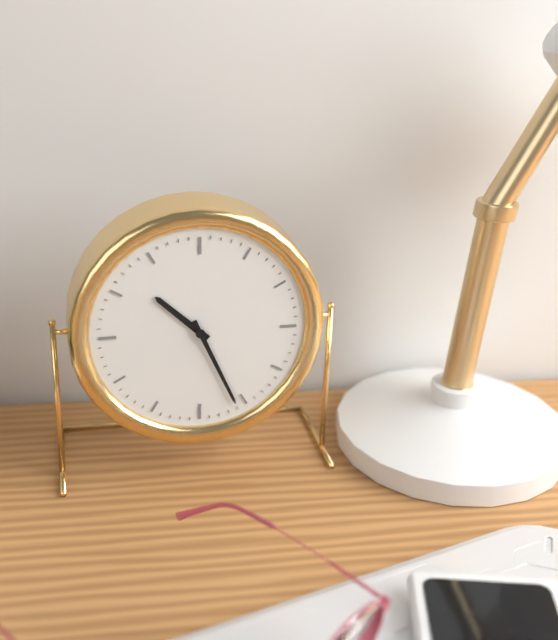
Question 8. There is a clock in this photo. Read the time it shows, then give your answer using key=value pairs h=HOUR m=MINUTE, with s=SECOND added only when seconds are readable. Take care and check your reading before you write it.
h=10 m=26
